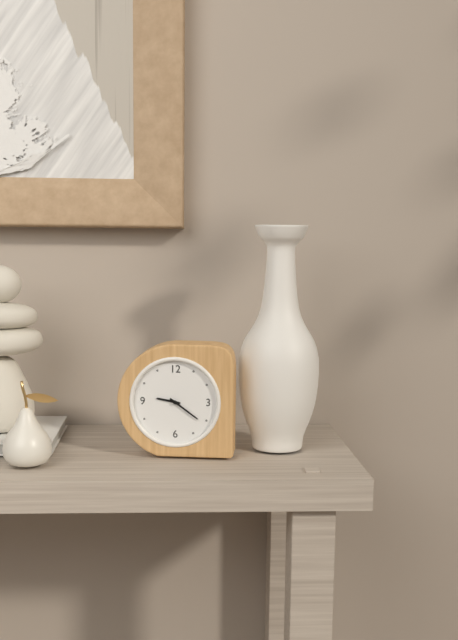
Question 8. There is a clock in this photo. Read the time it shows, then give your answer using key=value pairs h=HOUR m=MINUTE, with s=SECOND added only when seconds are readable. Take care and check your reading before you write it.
h=9 m=21
